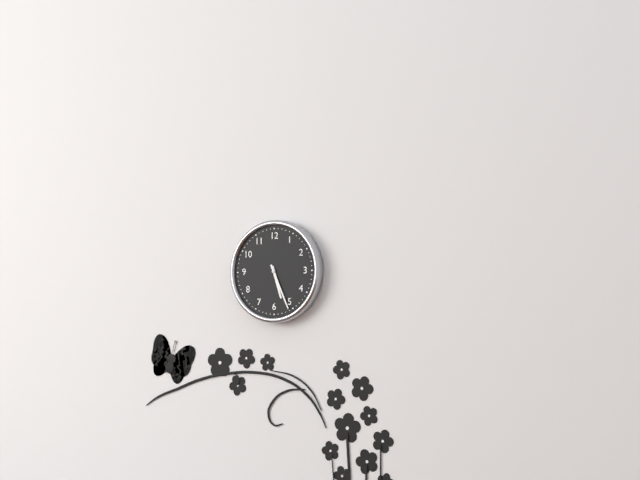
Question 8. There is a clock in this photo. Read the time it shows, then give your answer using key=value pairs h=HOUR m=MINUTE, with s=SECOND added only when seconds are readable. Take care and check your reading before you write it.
h=5 m=26
